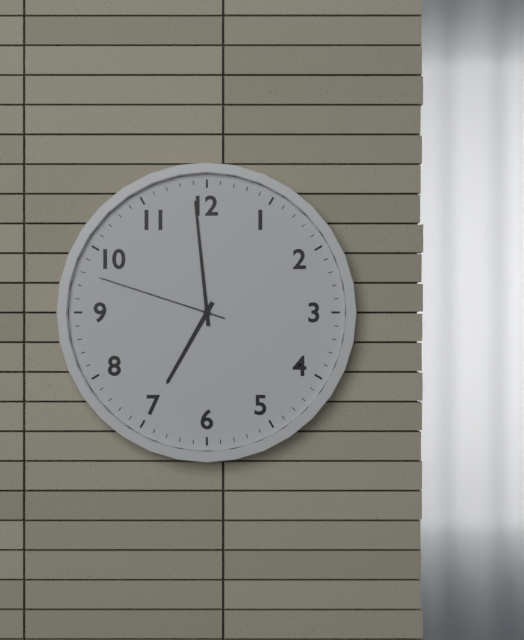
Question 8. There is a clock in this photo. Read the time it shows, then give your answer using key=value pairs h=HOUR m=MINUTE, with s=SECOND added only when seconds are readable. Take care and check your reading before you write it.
h=6 m=59 s=48
